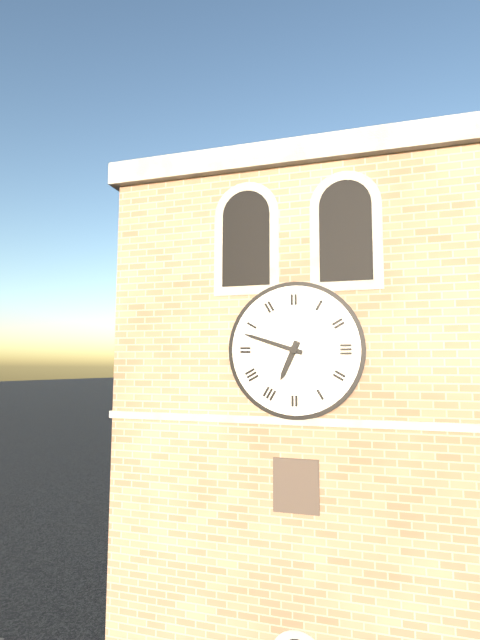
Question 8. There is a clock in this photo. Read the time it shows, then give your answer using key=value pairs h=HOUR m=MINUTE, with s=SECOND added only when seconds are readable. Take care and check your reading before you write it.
h=6 m=48
